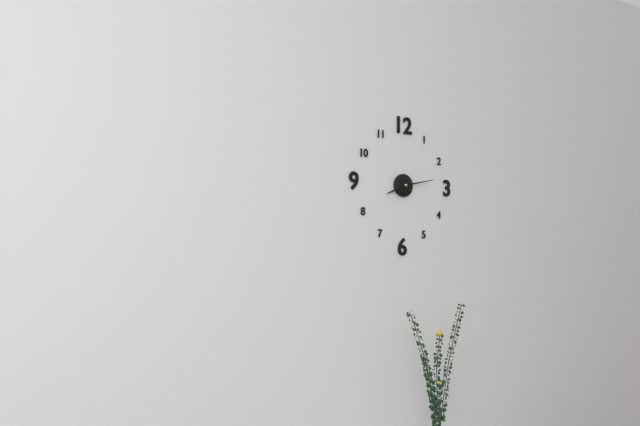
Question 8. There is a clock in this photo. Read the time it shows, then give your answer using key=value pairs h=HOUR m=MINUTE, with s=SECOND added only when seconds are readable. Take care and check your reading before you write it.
h=8 m=13
